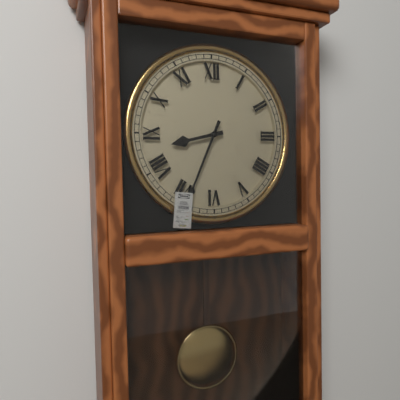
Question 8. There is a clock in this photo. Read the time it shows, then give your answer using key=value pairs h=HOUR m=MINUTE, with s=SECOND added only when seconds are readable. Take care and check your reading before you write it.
h=8 m=34
